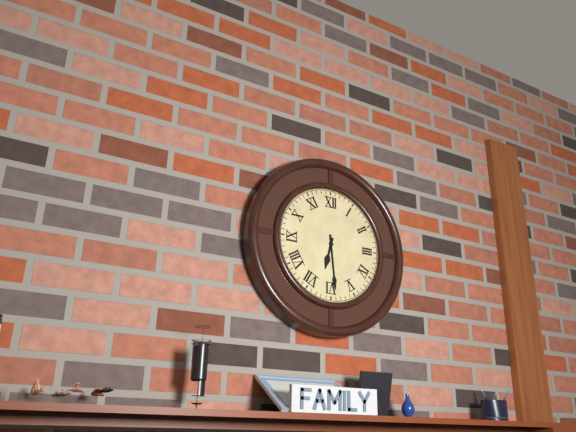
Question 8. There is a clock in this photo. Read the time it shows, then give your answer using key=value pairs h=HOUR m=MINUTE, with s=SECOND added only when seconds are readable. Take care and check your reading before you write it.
h=6 m=29
